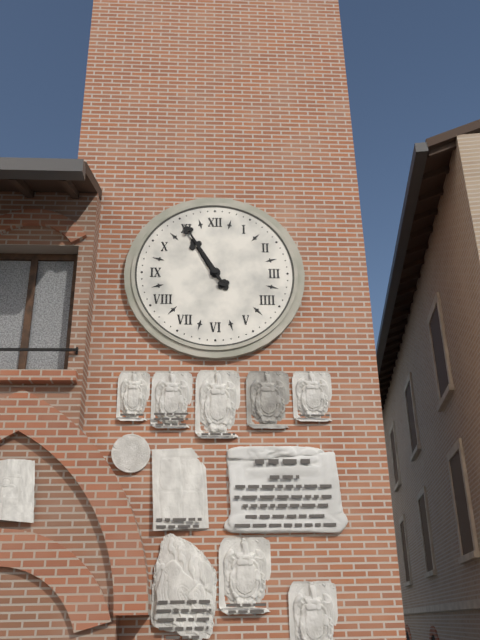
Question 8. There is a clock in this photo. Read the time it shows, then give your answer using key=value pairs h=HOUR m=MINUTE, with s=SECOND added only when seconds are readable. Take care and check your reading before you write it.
h=10 m=55
